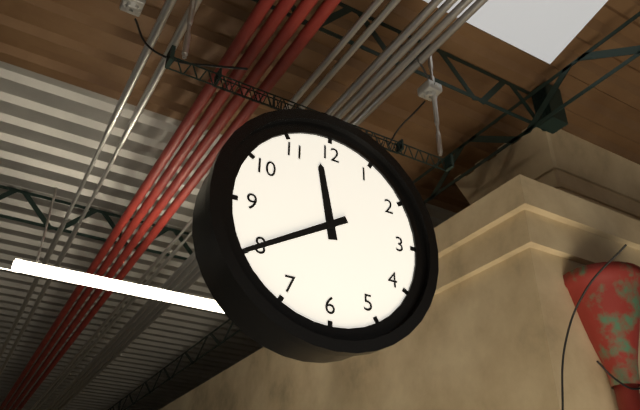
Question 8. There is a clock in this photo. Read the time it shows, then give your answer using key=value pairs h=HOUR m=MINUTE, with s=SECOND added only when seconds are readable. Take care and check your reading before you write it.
h=11 m=40
